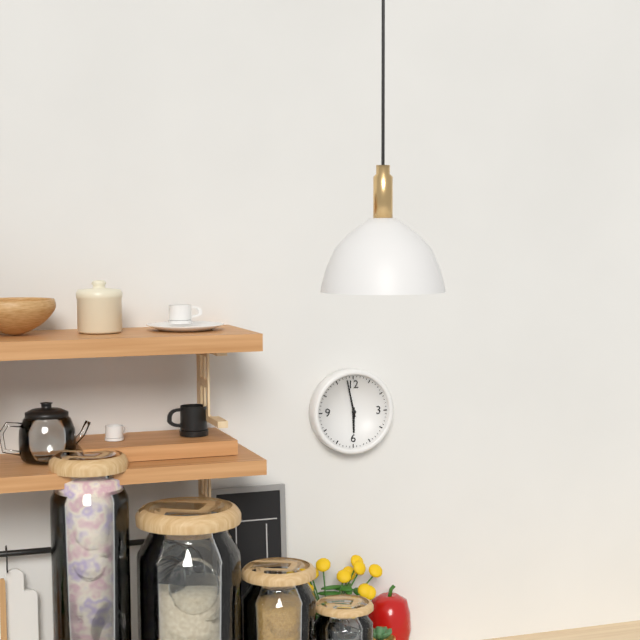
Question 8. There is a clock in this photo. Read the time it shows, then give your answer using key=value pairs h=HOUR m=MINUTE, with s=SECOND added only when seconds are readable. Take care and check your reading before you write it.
h=5 m=58
